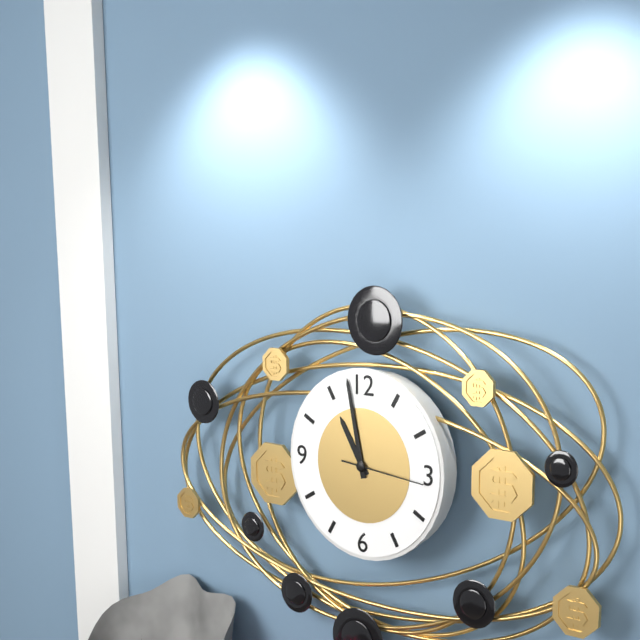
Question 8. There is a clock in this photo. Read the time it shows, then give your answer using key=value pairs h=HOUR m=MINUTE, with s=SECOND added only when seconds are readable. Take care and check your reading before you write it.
h=10 m=58 s=16
